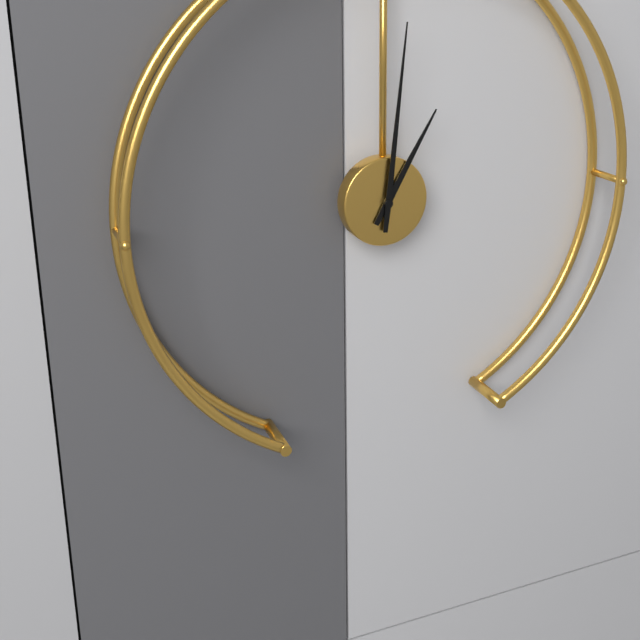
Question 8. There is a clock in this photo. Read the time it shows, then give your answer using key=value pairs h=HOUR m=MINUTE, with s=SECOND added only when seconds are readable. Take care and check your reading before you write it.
h=1 m=1
